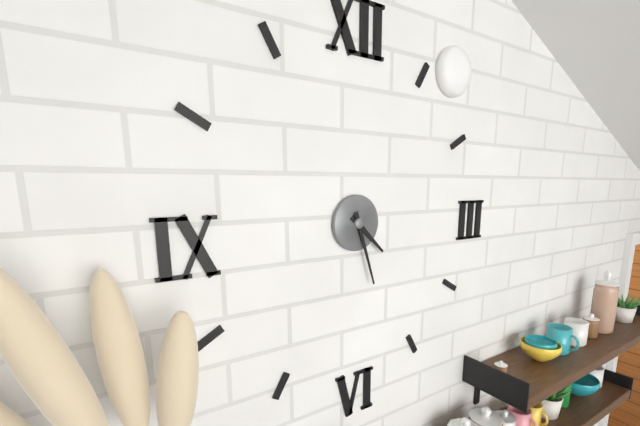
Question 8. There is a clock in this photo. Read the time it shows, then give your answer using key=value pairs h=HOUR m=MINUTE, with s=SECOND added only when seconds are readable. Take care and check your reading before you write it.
h=4 m=27
